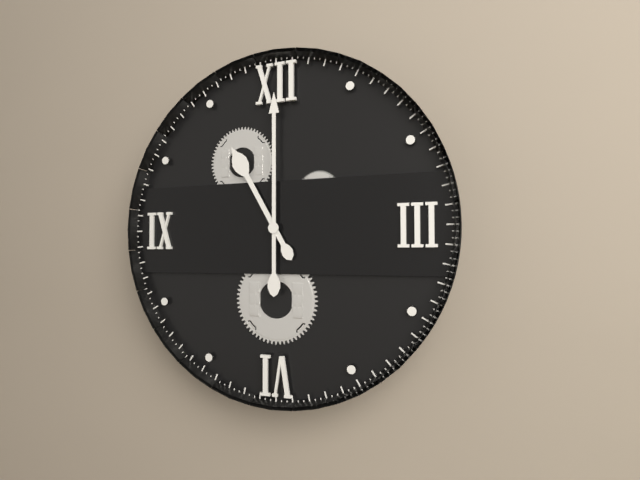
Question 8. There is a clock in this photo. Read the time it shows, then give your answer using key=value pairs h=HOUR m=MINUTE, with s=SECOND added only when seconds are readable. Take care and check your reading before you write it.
h=11 m=0
